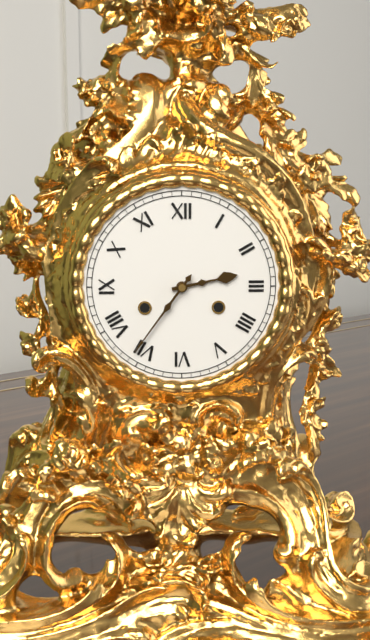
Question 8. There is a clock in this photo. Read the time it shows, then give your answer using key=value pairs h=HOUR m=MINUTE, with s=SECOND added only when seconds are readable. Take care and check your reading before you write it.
h=2 m=36
